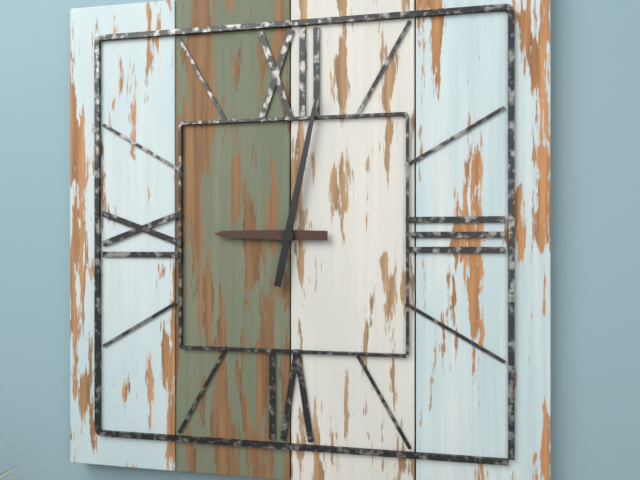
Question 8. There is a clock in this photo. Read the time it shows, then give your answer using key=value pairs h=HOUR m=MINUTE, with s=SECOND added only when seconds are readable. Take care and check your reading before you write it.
h=9 m=2
